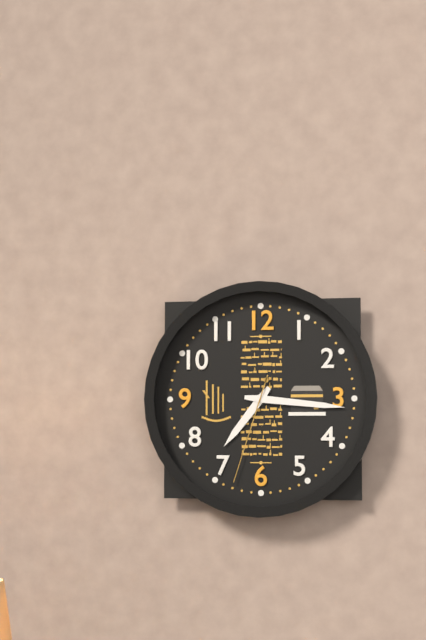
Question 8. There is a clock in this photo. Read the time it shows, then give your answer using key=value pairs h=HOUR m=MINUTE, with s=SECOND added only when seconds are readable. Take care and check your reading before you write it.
h=7 m=16 s=33
